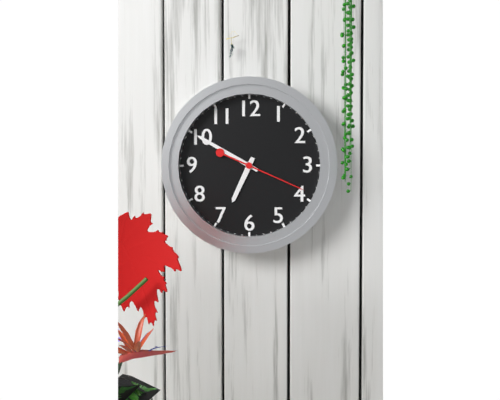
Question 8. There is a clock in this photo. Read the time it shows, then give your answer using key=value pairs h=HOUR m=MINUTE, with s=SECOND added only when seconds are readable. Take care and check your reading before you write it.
h=6 m=50 s=19
